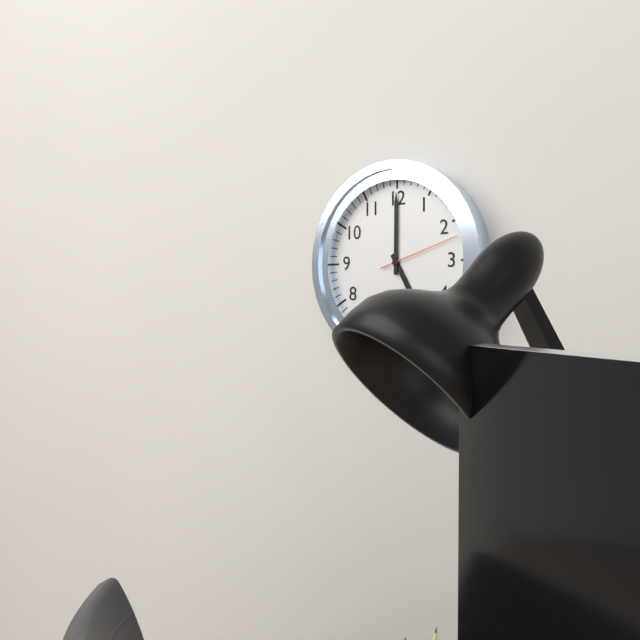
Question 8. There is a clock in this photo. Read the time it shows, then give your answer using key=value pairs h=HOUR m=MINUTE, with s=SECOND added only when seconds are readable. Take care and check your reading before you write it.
h=5 m=0 s=12
